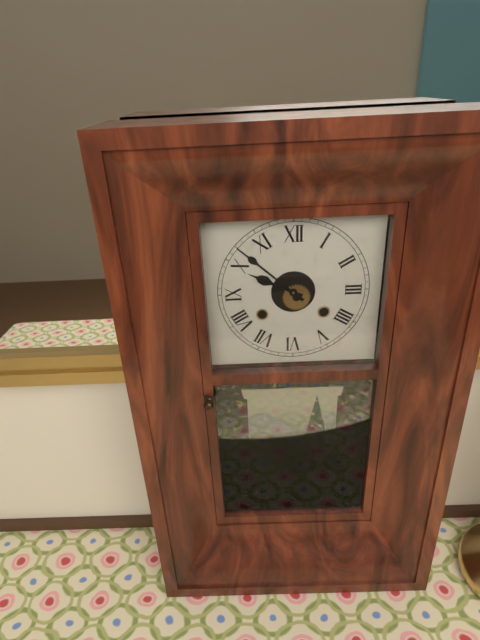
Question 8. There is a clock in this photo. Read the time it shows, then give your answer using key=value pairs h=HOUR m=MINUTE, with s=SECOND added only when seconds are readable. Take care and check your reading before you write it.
h=9 m=52
